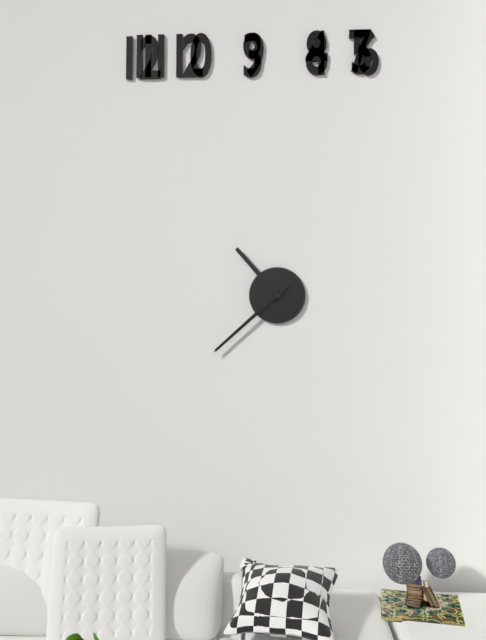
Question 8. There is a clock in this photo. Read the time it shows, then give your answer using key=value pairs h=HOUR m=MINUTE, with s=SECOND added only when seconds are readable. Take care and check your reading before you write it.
h=10 m=38 s=38
